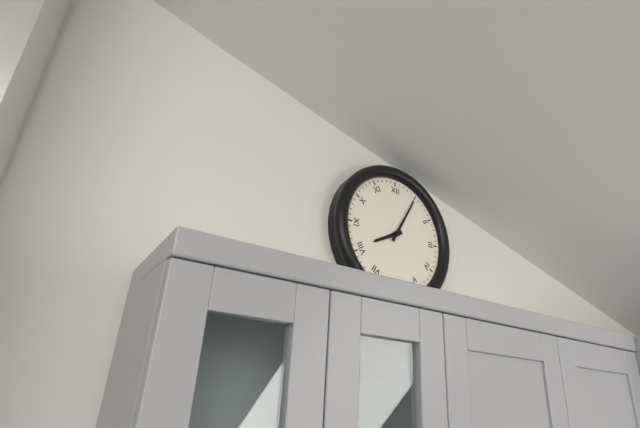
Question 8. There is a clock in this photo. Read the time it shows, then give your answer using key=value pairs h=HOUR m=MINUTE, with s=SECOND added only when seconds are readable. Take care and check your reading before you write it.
h=8 m=5
